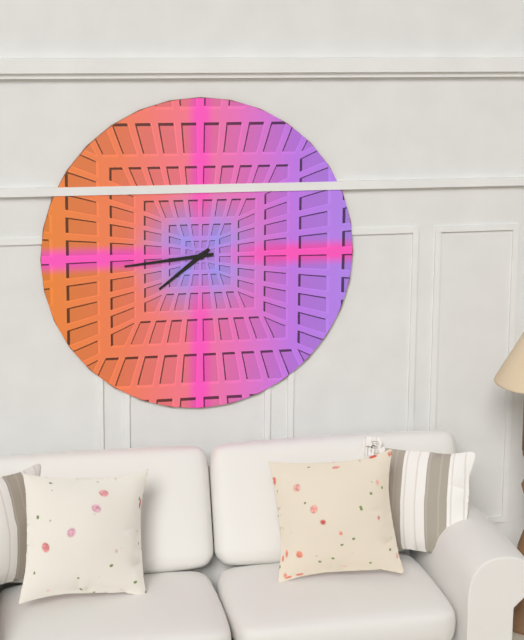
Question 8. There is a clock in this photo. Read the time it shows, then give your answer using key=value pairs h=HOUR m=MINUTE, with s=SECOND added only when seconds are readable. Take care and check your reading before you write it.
h=7 m=44
